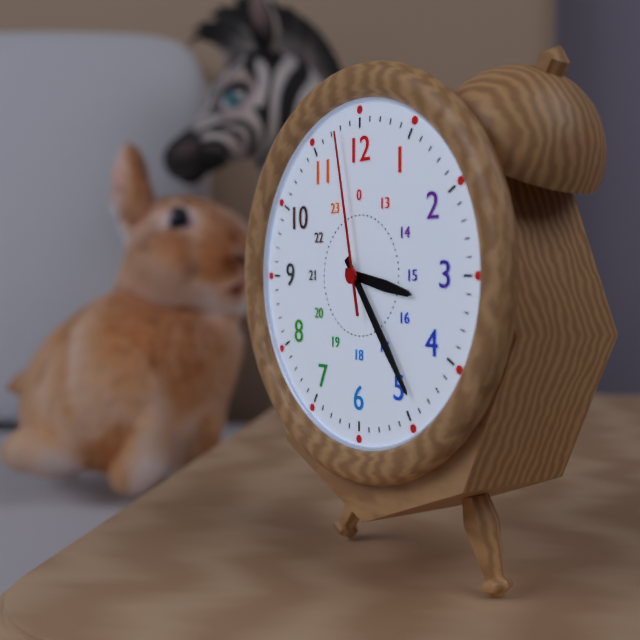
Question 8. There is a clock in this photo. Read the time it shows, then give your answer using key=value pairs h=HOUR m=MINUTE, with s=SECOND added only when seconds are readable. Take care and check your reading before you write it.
h=3 m=24 s=58
